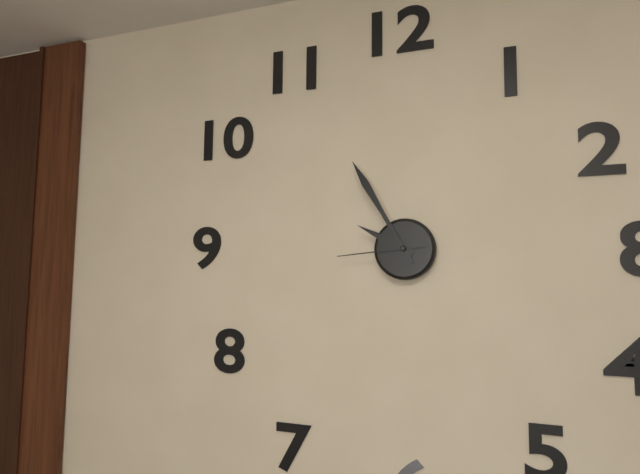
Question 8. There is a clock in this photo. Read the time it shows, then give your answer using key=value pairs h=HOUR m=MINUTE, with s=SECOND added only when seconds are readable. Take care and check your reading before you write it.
h=9 m=55 s=44
